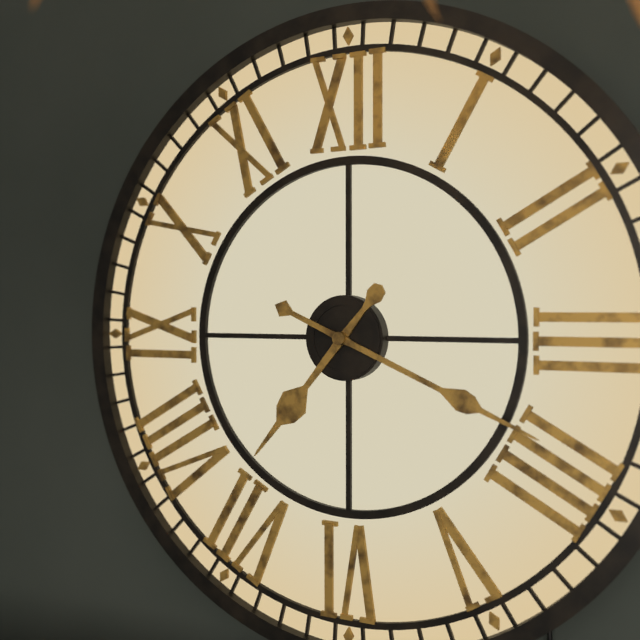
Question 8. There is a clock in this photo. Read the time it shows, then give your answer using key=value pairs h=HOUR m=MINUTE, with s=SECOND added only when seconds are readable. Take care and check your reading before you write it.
h=7 m=19
